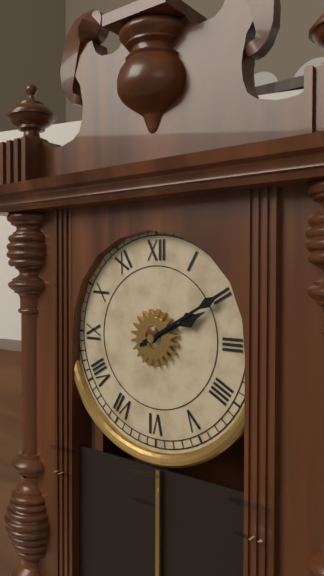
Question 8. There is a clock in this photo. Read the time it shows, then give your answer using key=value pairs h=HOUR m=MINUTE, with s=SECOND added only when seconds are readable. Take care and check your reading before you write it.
h=2 m=10
